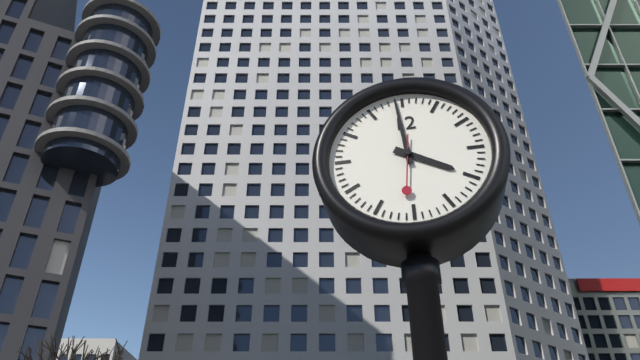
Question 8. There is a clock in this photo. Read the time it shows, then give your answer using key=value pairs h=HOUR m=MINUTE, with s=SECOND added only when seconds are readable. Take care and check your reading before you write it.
h=3 m=59 s=31
